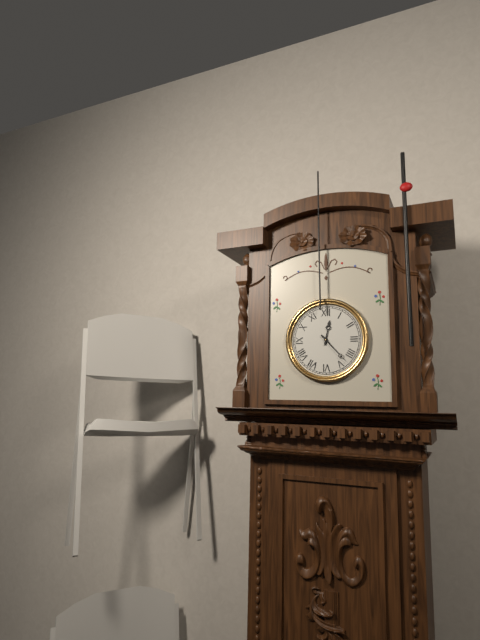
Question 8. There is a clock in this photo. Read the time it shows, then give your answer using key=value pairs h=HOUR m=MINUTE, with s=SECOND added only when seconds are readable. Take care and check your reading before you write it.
h=12 m=23
